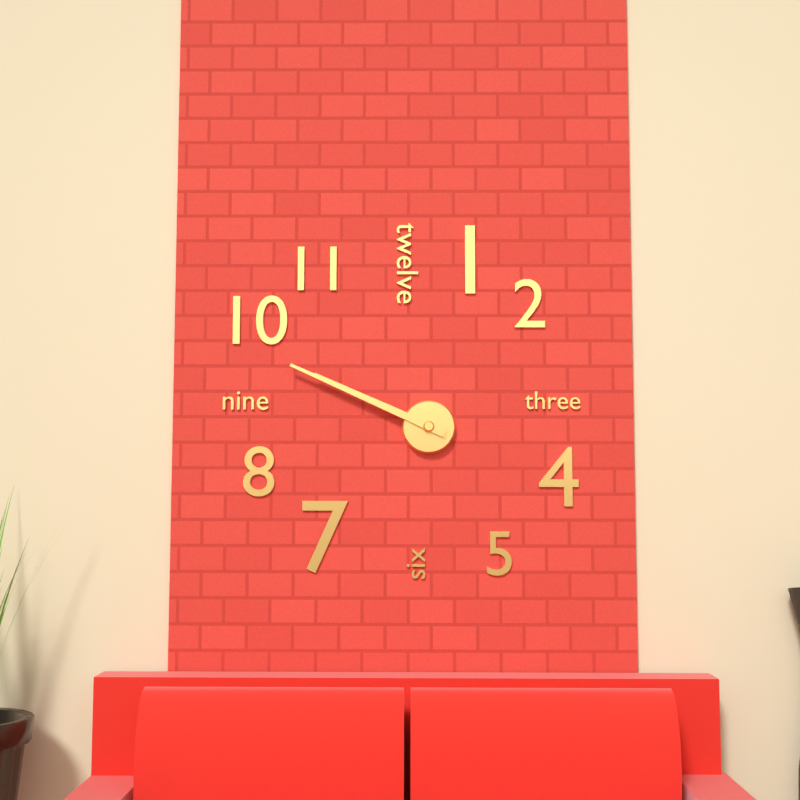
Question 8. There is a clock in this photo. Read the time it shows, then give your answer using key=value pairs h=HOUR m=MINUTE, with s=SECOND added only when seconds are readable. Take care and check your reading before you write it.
h=9 m=49
